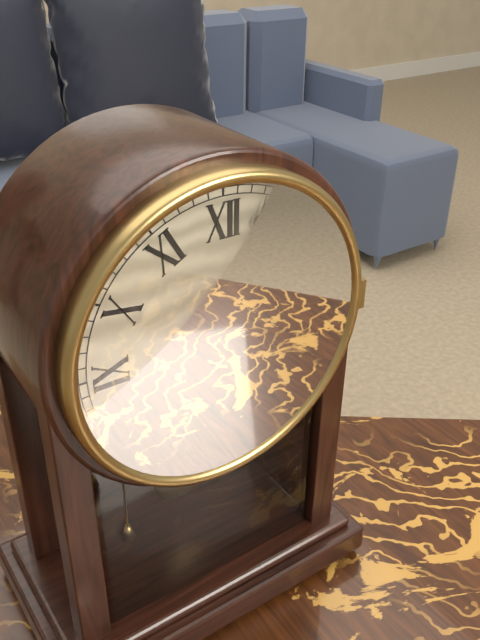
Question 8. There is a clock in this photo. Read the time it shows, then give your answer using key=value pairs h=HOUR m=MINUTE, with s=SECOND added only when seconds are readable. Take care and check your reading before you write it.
h=5 m=3
